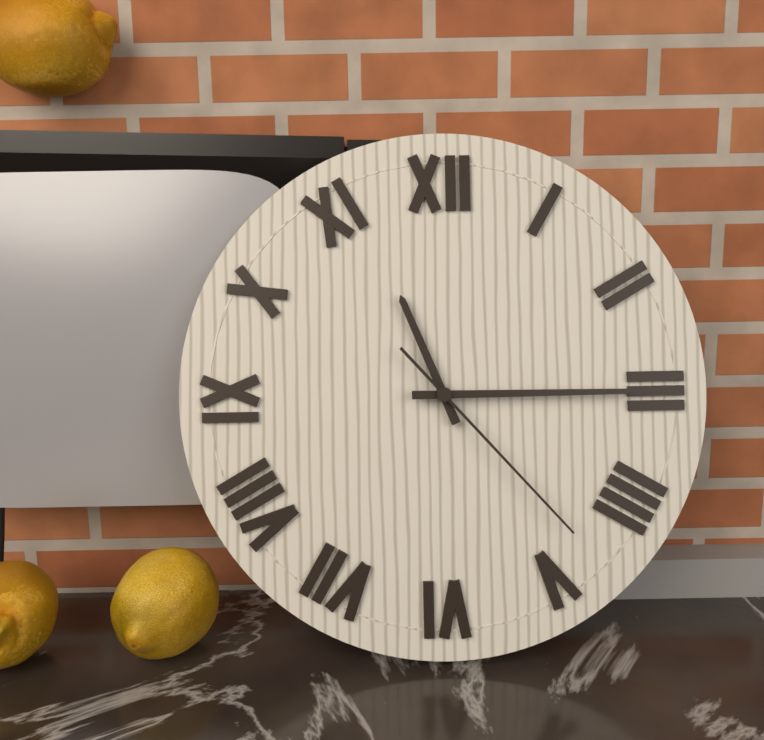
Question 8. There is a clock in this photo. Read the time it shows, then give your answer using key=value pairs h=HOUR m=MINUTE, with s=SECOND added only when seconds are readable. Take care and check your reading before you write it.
h=11 m=15 s=23
